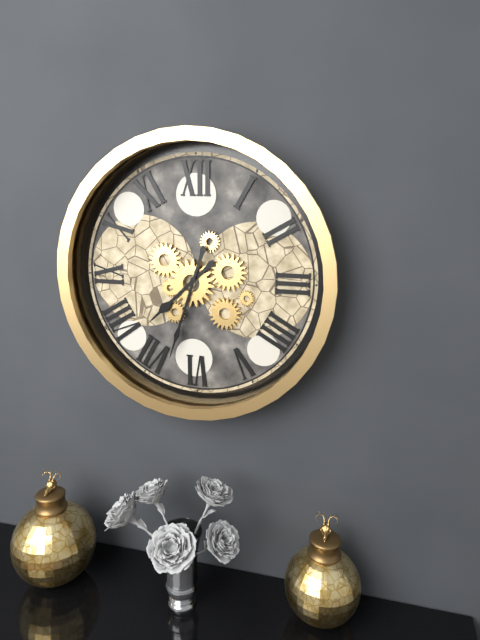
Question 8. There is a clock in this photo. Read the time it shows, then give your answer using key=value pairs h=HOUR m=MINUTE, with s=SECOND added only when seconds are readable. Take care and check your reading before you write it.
h=7 m=33
